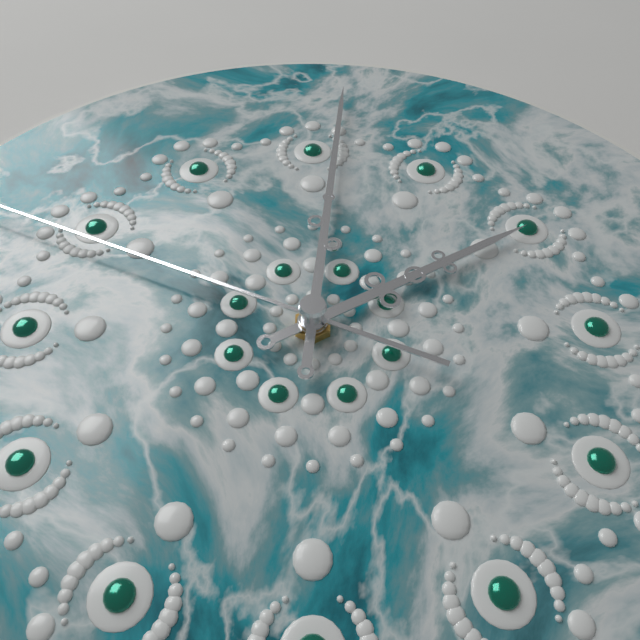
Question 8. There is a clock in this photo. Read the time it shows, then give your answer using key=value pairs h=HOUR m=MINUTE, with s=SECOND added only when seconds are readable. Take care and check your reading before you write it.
h=2 m=1
